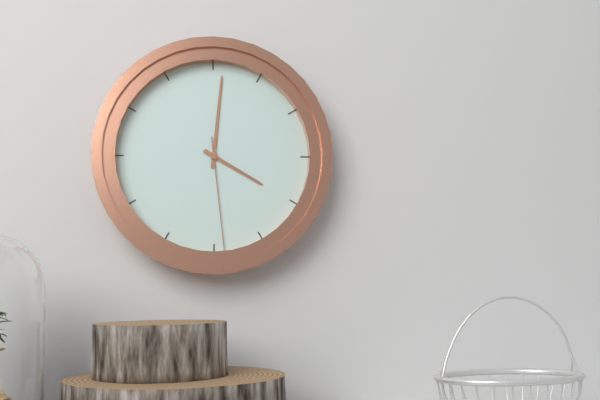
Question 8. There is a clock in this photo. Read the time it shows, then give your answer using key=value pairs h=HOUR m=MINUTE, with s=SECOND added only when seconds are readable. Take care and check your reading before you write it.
h=4 m=1 s=29
